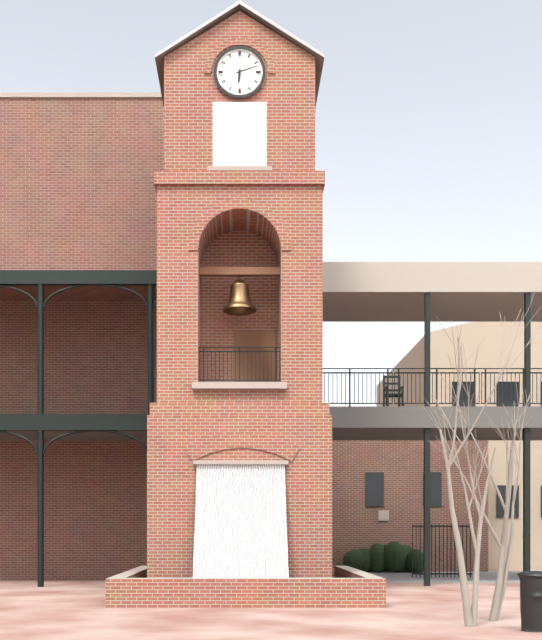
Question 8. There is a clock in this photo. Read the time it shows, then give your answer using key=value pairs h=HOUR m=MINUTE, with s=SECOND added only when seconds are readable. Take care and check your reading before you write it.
h=6 m=12
